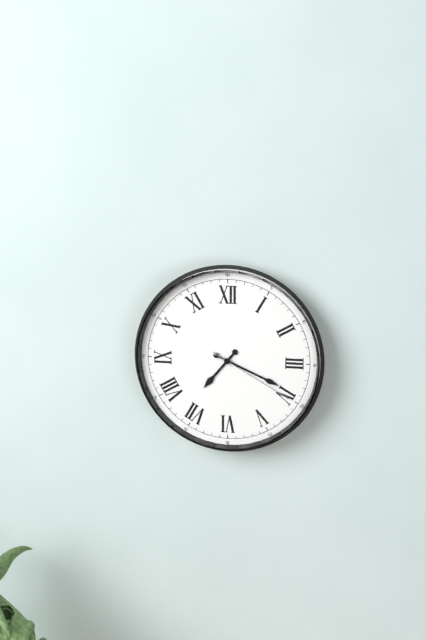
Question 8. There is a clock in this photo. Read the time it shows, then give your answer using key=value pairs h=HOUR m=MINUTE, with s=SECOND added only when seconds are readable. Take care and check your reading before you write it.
h=7 m=19 s=20
